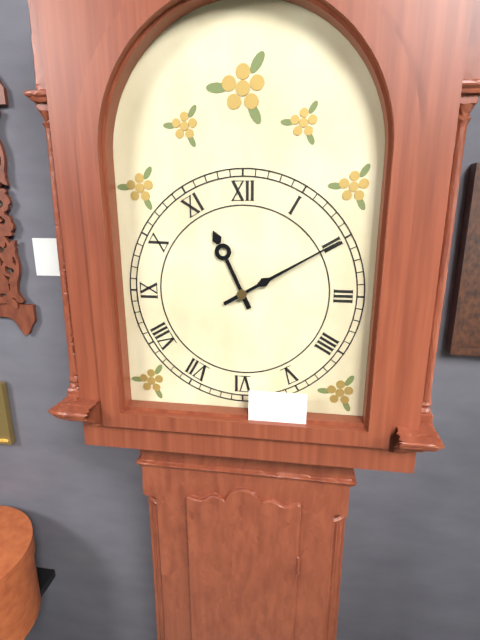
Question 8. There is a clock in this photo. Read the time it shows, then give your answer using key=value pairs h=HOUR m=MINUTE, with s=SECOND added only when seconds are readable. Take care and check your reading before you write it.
h=11 m=10
